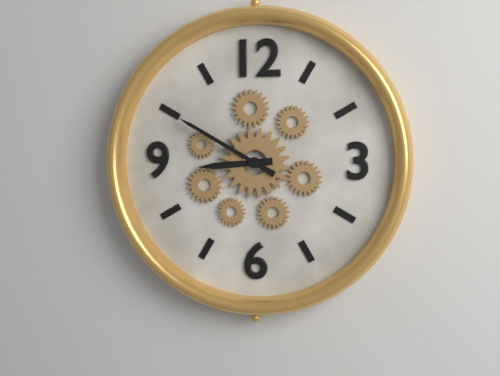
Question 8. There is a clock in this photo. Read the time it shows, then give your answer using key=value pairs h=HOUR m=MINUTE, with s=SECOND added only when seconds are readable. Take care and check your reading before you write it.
h=8 m=50
